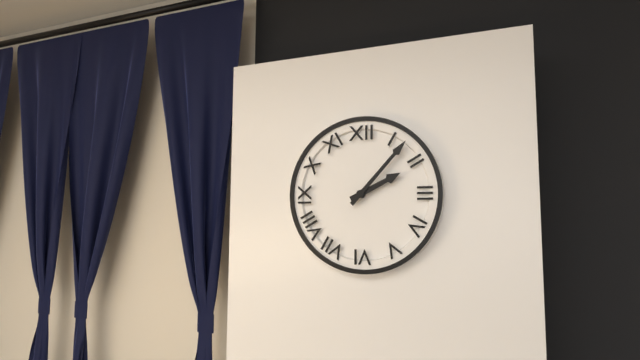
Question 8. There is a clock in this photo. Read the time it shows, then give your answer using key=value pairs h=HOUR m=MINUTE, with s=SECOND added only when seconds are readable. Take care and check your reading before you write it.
h=2 m=7
